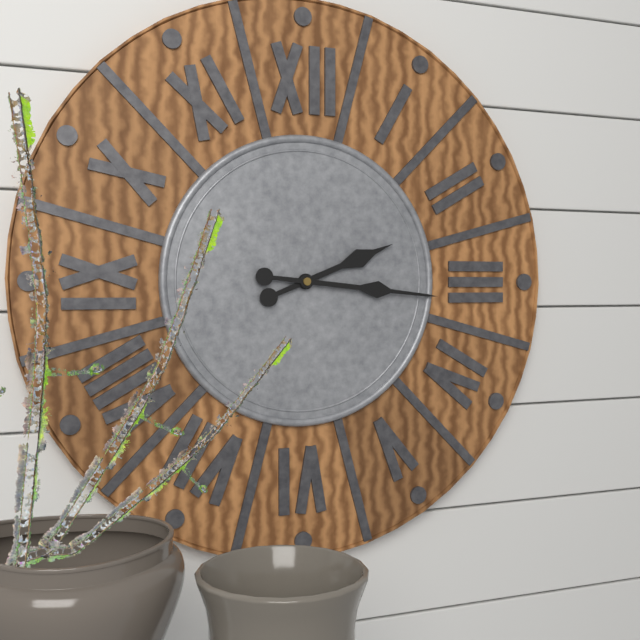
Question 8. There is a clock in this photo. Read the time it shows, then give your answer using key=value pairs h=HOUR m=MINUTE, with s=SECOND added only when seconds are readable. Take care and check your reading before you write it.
h=2 m=16
